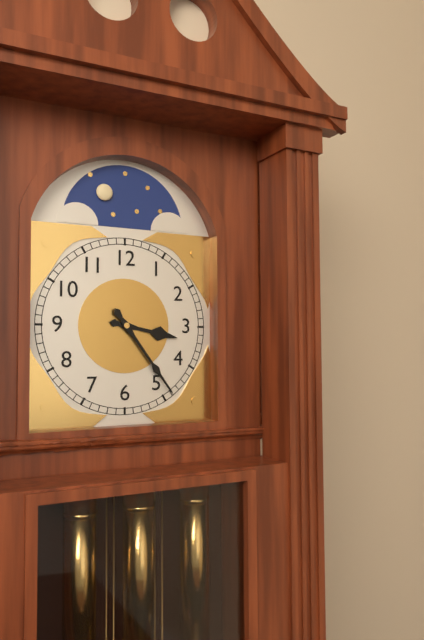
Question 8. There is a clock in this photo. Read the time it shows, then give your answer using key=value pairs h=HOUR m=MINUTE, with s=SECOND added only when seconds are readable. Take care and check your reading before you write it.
h=3 m=24
